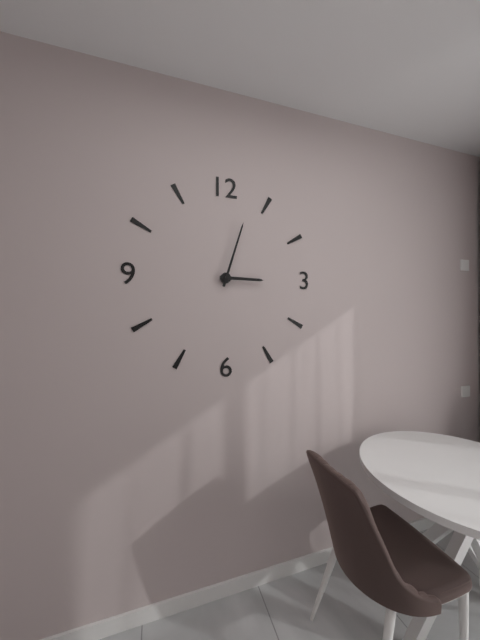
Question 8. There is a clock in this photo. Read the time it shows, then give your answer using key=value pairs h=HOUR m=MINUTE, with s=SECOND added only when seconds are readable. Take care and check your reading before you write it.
h=3 m=3
